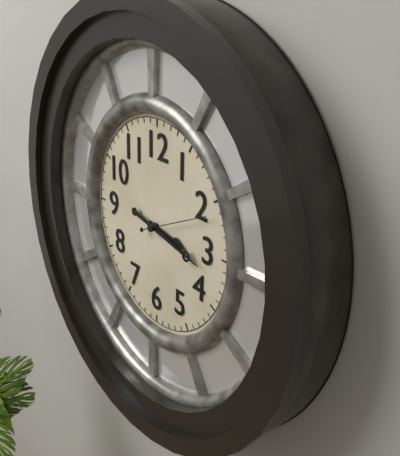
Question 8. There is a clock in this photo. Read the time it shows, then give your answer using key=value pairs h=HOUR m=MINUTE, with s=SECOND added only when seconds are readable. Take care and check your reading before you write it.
h=3 m=17 s=11
